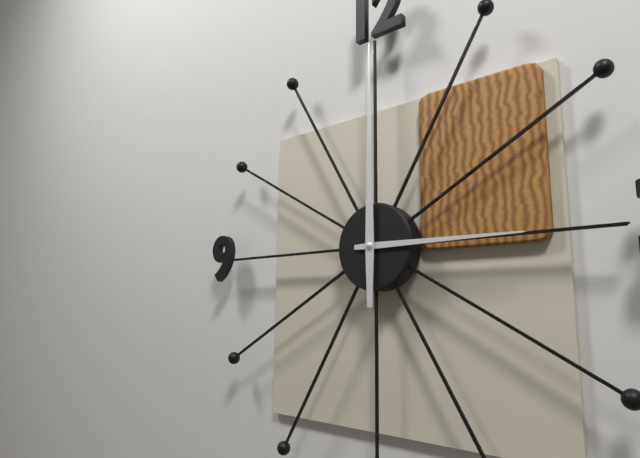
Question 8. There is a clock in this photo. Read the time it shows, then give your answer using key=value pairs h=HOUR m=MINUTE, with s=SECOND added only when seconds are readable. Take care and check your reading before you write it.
h=3 m=0
